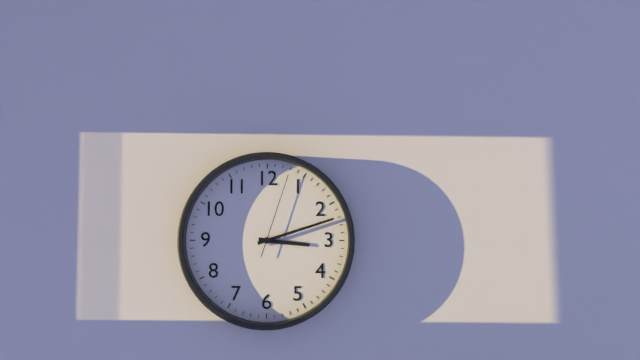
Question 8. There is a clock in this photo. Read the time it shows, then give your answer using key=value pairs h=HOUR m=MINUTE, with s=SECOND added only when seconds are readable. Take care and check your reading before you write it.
h=3 m=12 s=3
